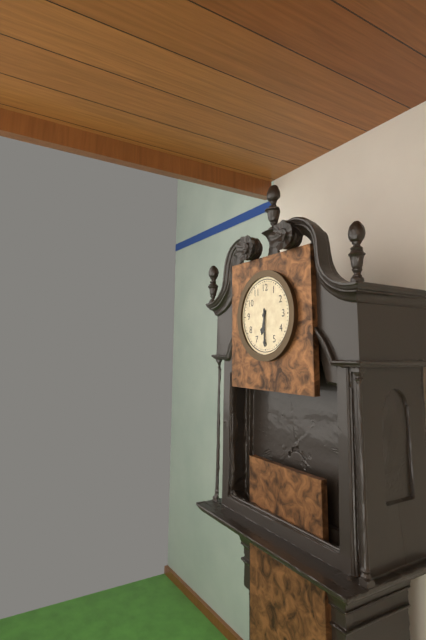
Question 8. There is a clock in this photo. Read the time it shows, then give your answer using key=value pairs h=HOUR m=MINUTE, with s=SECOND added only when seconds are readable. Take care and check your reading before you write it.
h=6 m=30
